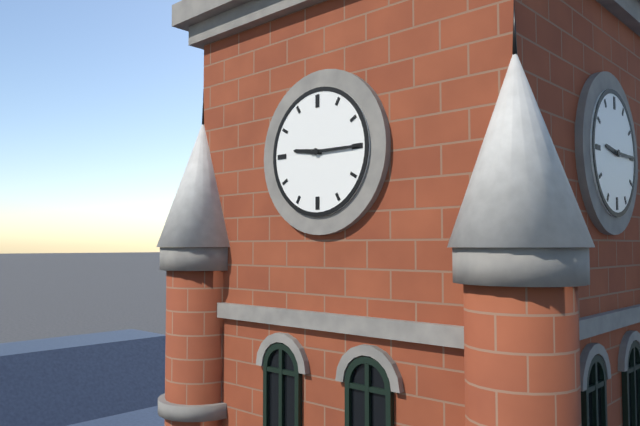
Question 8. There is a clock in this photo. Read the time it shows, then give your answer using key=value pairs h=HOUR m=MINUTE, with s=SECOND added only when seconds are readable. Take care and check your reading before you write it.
h=9 m=15
